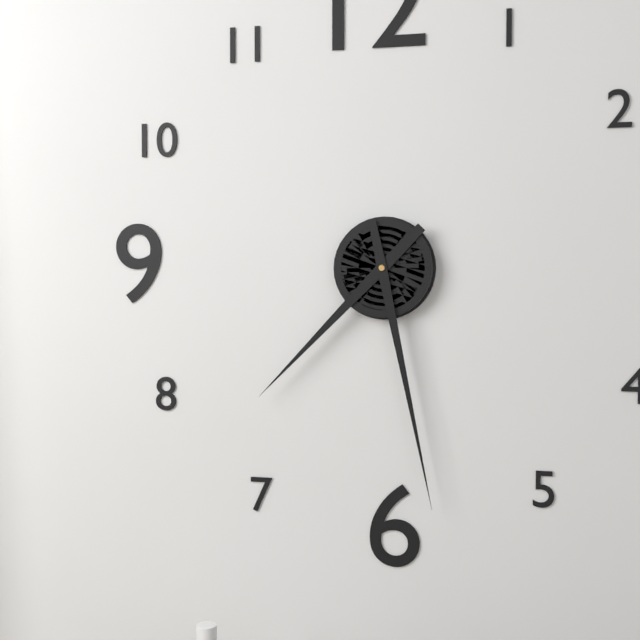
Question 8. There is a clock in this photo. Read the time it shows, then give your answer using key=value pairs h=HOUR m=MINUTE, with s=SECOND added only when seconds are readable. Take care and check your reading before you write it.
h=7 m=28
